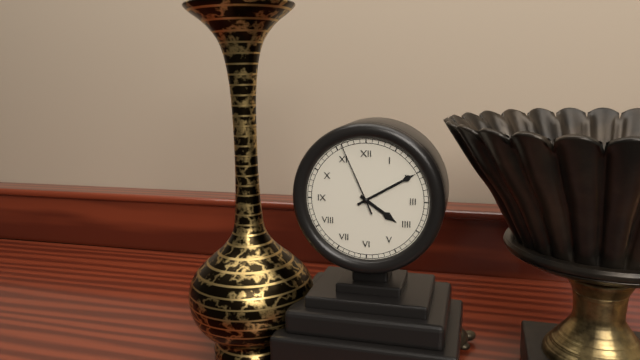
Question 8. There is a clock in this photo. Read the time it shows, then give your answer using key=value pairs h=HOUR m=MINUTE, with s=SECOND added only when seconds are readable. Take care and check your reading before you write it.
h=4 m=10 s=56
